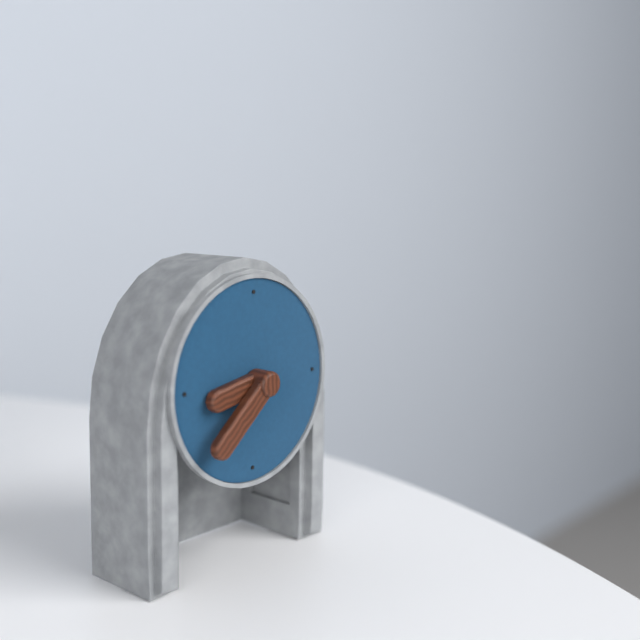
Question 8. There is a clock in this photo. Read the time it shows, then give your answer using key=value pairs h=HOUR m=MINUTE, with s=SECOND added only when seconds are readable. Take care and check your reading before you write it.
h=8 m=38
